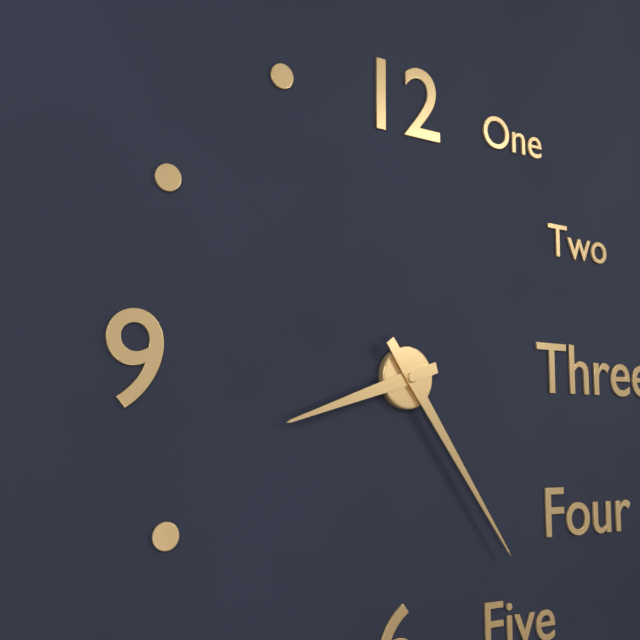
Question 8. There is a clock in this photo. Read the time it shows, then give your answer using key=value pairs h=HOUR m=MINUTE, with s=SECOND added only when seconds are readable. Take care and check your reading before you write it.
h=8 m=24
